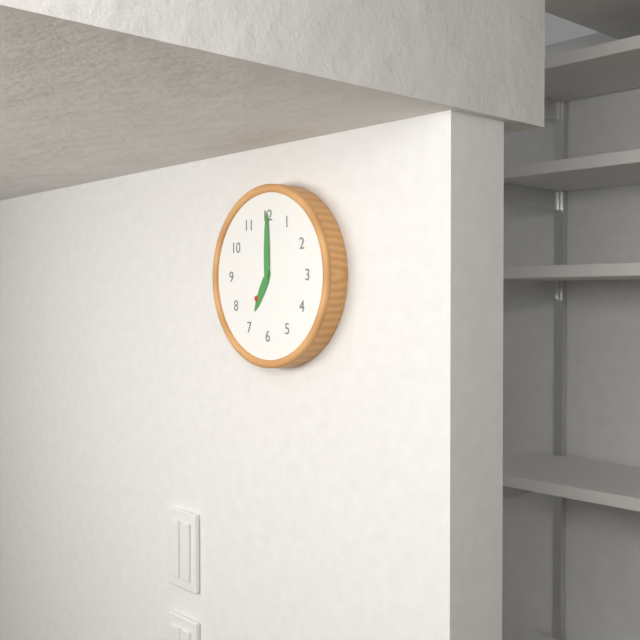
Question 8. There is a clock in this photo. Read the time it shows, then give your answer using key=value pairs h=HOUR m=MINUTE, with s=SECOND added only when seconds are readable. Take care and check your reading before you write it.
h=7 m=0
